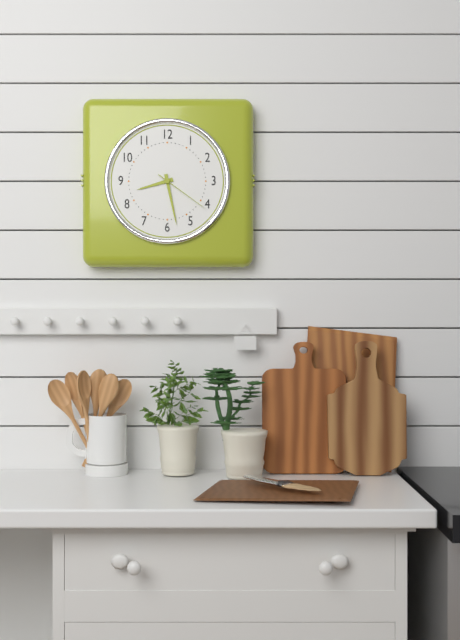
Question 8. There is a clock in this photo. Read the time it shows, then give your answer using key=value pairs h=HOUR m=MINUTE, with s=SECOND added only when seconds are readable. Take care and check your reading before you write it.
h=8 m=28 s=21
